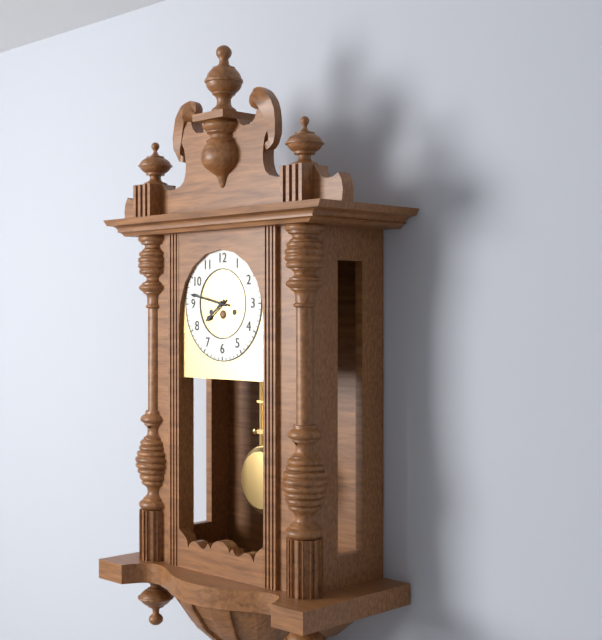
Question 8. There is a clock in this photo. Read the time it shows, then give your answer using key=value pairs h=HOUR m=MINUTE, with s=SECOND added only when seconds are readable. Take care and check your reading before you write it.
h=7 m=47
